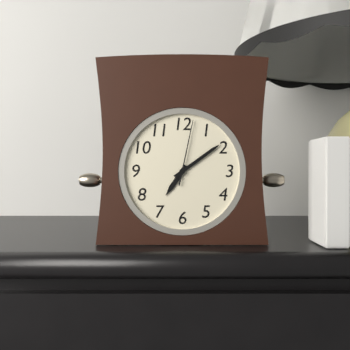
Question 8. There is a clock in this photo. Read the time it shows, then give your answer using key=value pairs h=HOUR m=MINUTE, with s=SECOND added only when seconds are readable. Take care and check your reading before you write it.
h=7 m=9 s=2
